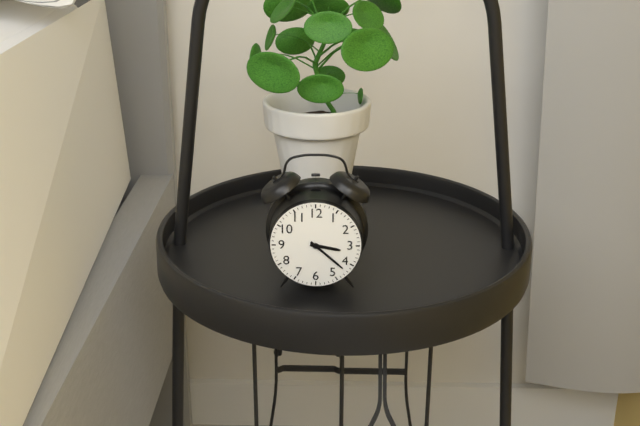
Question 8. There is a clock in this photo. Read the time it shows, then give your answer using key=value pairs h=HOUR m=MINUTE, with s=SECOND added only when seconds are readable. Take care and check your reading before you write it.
h=3 m=22
